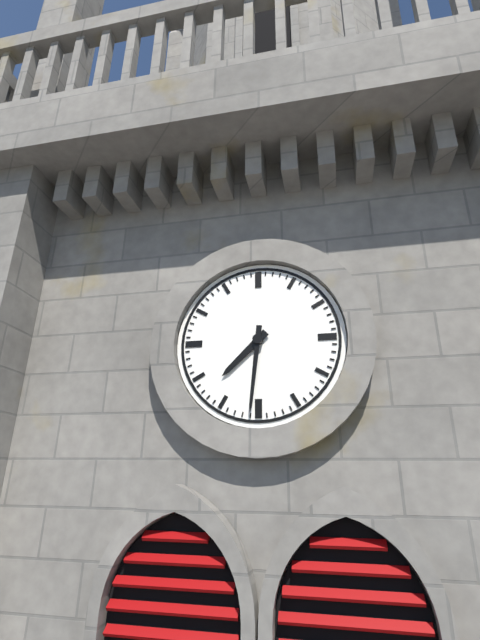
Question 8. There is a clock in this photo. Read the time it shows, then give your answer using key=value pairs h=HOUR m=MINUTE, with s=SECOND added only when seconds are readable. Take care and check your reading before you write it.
h=7 m=31
